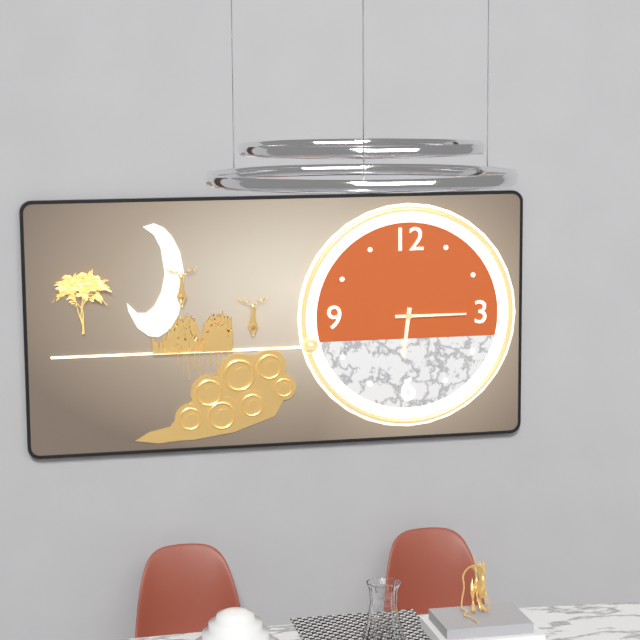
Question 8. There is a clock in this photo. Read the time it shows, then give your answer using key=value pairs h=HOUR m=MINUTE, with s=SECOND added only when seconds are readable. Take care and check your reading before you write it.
h=6 m=15
